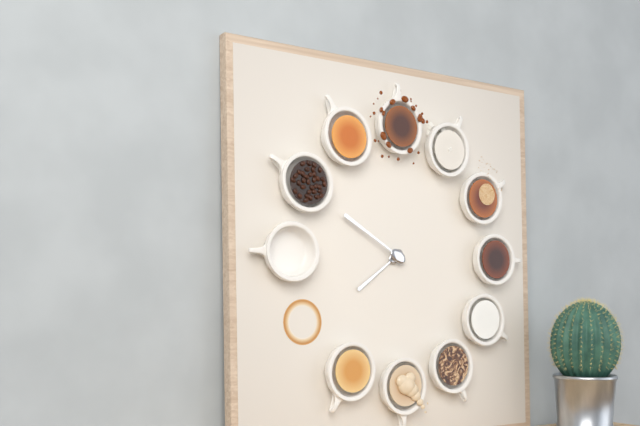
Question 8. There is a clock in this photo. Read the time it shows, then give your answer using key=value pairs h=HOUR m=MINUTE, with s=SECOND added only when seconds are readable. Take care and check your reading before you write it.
h=7 m=50
